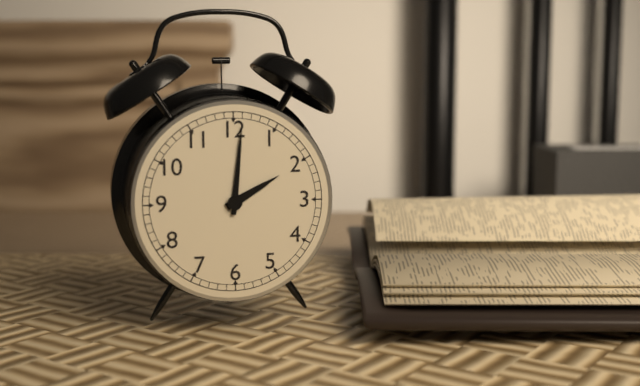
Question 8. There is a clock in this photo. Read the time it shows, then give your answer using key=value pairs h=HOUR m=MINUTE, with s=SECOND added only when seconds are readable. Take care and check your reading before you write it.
h=2 m=1
